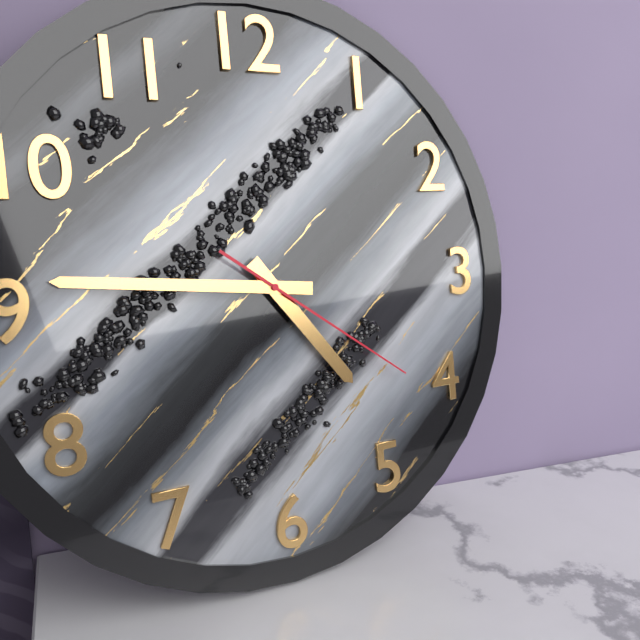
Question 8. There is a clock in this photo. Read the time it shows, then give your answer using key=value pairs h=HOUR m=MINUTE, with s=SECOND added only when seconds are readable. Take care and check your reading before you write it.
h=4 m=46 s=21
